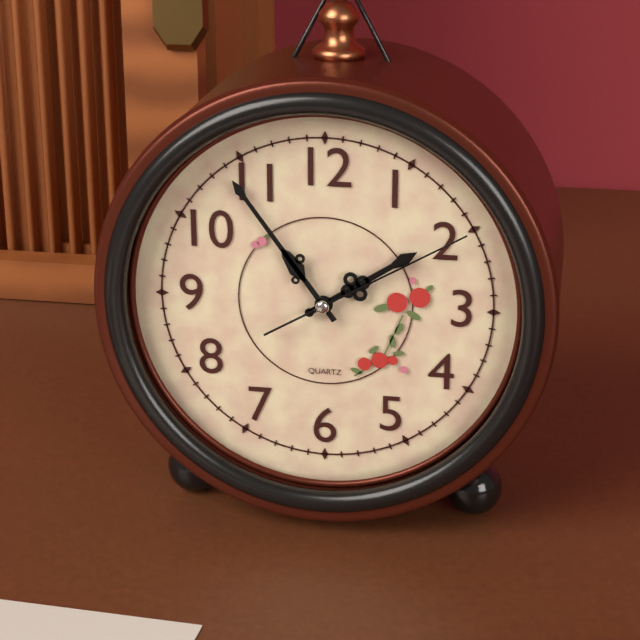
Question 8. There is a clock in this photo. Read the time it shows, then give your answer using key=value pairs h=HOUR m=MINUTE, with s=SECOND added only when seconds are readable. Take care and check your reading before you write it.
h=1 m=54 s=10
